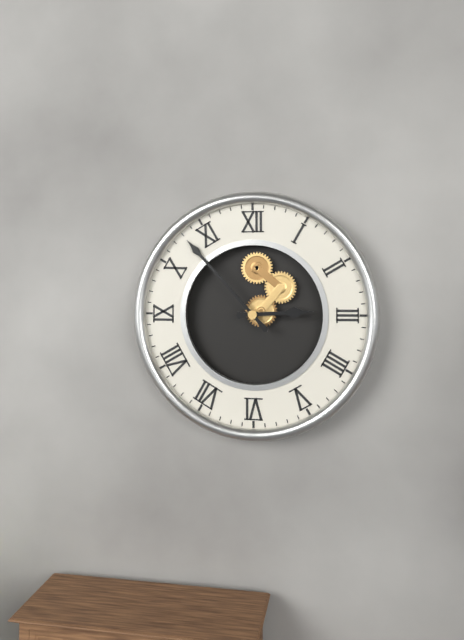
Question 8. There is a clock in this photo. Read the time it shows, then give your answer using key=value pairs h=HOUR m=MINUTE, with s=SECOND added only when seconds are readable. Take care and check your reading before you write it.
h=2 m=53
